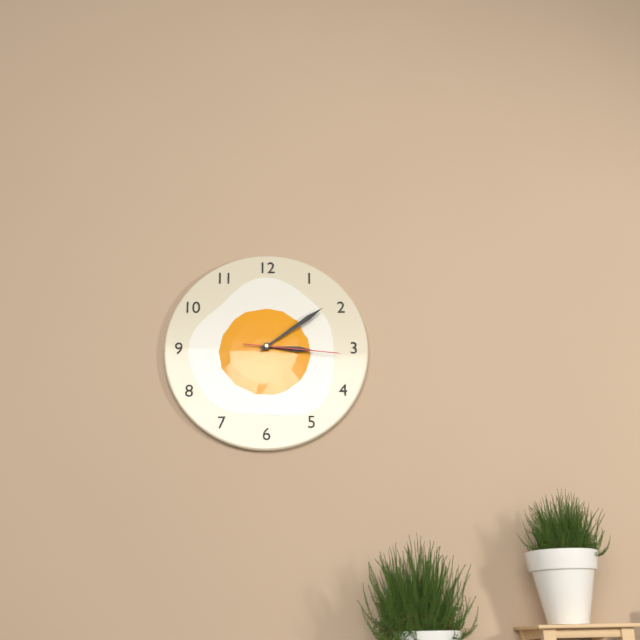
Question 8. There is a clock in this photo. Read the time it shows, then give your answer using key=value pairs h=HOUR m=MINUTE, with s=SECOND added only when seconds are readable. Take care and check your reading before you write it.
h=3 m=9 s=16
